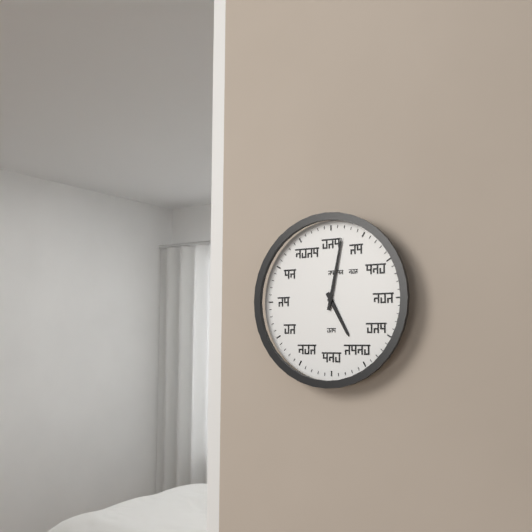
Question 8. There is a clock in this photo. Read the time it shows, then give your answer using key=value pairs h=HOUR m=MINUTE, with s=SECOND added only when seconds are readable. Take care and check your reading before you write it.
h=5 m=2
